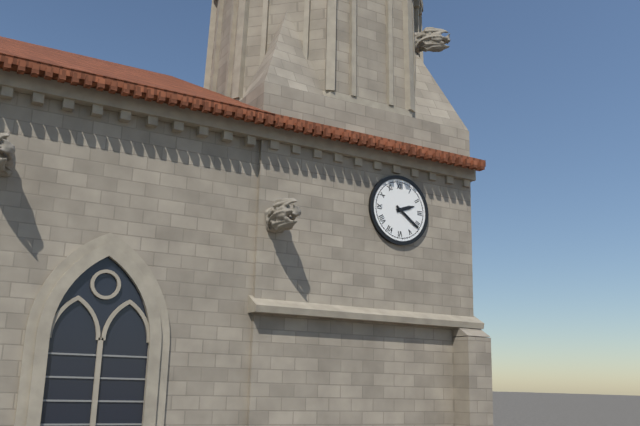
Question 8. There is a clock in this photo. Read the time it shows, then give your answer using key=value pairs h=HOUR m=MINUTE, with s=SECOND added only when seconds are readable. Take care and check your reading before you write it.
h=2 m=21
